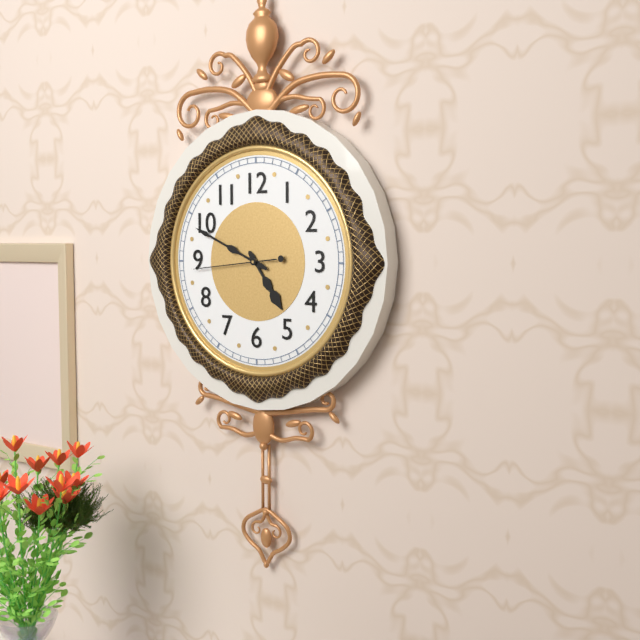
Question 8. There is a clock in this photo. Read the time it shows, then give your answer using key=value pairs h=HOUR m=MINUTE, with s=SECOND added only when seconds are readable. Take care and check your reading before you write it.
h=4 m=49 s=44
